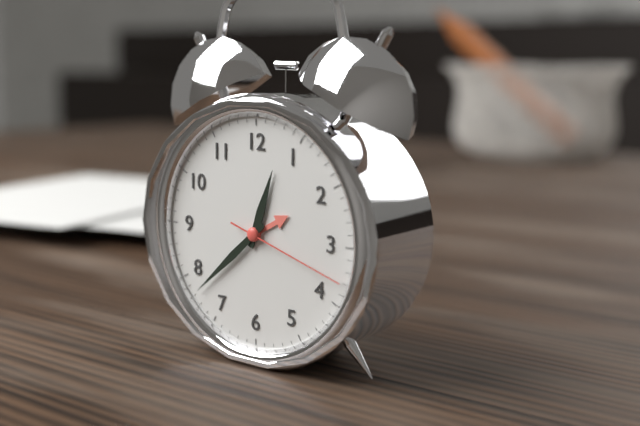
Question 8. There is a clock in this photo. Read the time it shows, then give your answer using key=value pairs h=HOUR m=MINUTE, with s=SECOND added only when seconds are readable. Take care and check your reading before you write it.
h=12 m=38 s=18
